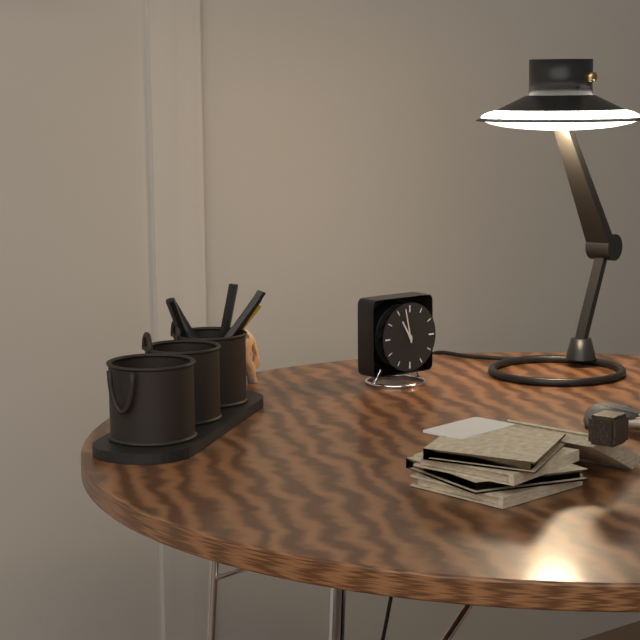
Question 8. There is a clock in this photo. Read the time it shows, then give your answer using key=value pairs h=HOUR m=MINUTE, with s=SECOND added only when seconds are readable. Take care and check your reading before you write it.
h=10 m=58
